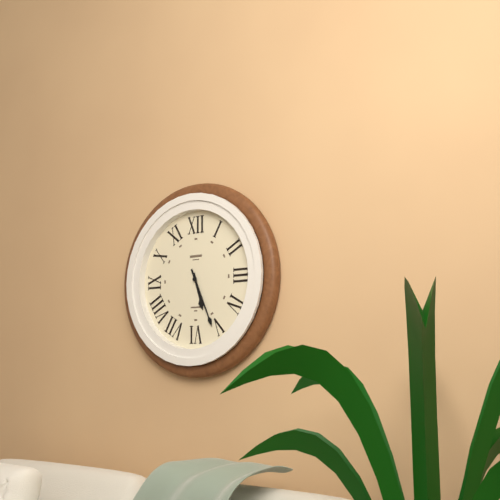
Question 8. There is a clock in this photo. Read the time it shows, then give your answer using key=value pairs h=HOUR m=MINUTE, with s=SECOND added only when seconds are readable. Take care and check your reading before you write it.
h=5 m=26
